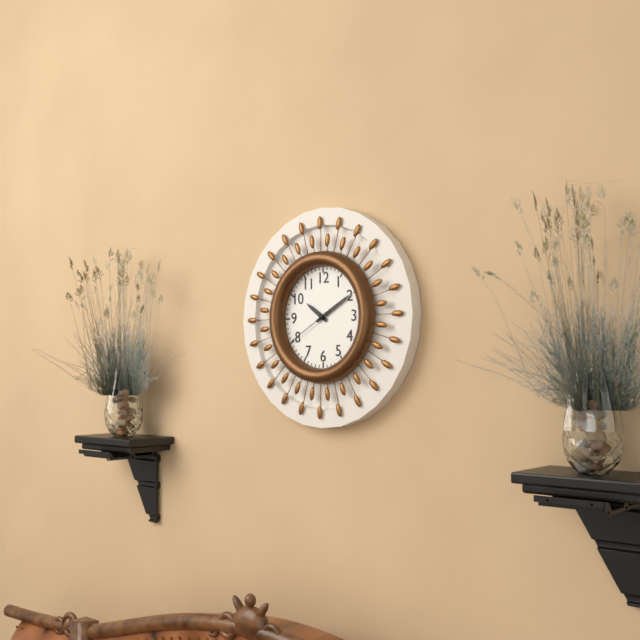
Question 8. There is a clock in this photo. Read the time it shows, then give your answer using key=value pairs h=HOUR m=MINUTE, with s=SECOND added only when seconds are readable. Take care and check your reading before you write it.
h=10 m=10
